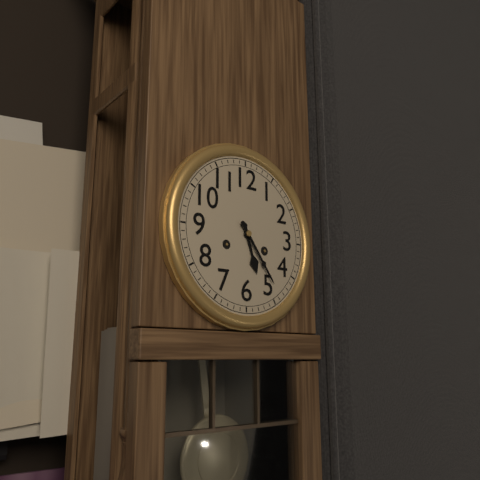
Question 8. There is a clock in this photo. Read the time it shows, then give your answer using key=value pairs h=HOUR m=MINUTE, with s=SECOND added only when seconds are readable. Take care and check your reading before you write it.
h=5 m=24
